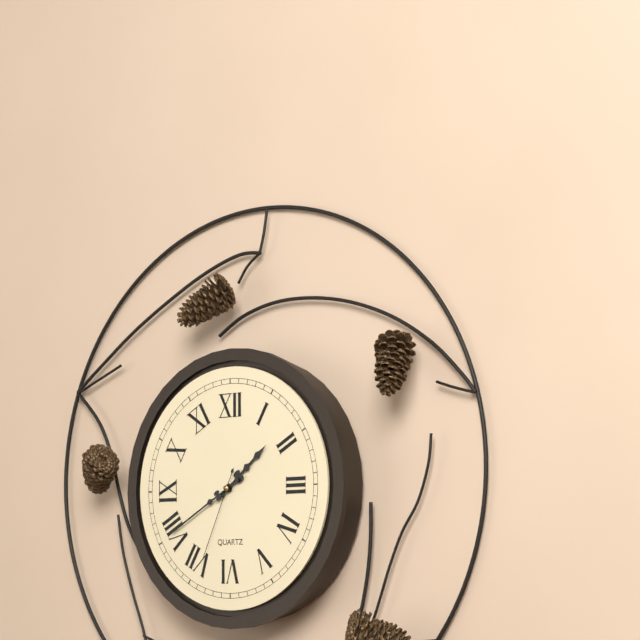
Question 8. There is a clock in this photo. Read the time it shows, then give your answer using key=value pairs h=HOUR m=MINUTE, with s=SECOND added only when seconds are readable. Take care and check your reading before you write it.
h=1 m=40 s=34
